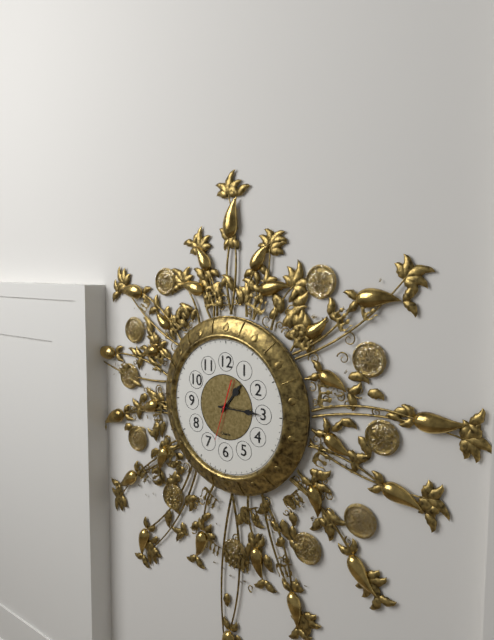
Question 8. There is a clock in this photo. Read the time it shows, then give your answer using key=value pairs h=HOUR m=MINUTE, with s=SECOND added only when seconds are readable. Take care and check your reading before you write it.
h=1 m=15 s=33
